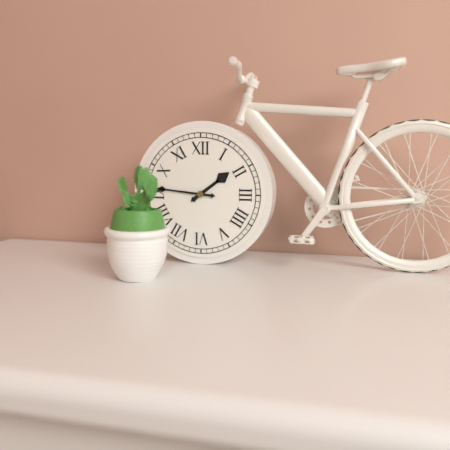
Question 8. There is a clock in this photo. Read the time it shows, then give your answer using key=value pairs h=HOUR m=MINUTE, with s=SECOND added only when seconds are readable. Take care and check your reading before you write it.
h=1 m=46
